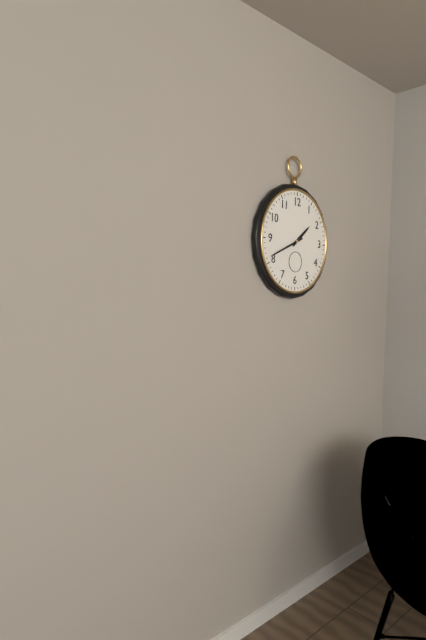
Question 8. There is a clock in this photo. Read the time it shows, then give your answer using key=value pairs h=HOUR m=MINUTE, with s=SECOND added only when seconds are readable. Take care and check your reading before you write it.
h=1 m=41
